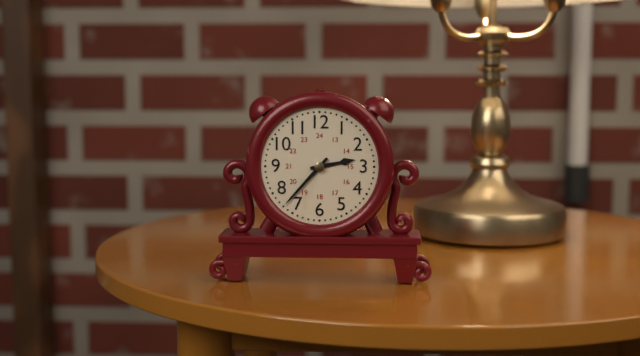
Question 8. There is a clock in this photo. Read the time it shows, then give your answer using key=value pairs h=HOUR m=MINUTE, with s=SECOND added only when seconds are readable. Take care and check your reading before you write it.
h=2 m=37
